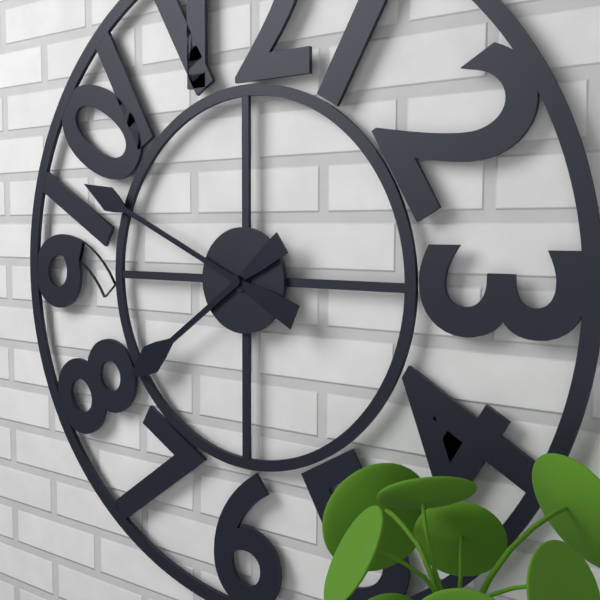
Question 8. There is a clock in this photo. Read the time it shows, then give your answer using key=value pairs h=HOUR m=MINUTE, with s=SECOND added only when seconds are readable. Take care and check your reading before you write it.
h=7 m=49
